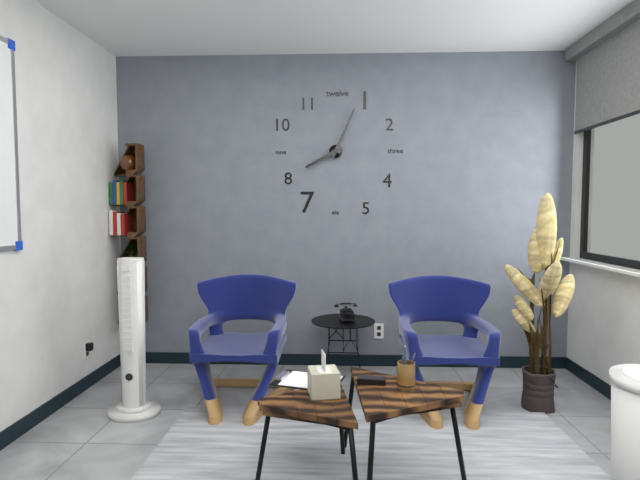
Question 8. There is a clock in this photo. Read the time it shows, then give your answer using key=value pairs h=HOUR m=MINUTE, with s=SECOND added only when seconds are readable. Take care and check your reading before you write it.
h=8 m=4
